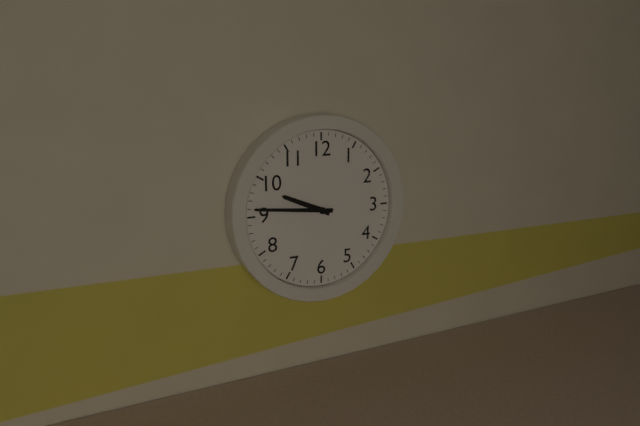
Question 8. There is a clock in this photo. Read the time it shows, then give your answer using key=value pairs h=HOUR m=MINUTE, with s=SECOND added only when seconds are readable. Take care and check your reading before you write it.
h=9 m=46
